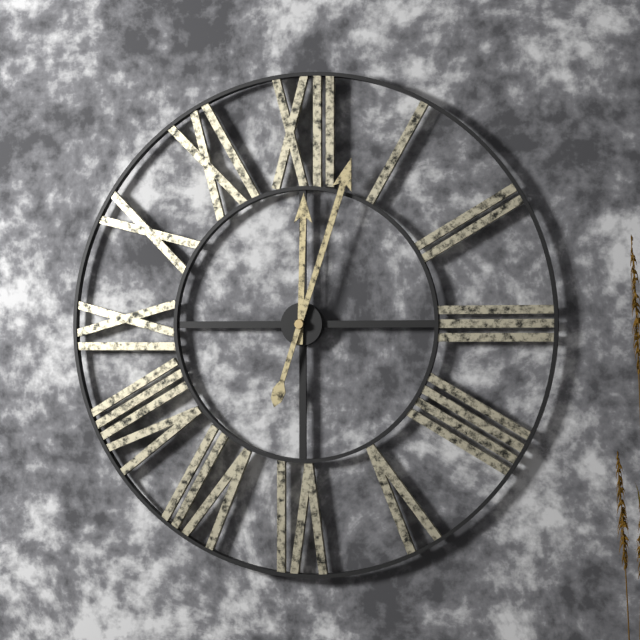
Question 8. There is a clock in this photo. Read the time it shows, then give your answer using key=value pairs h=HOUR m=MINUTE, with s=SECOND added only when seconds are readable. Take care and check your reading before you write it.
h=12 m=3
